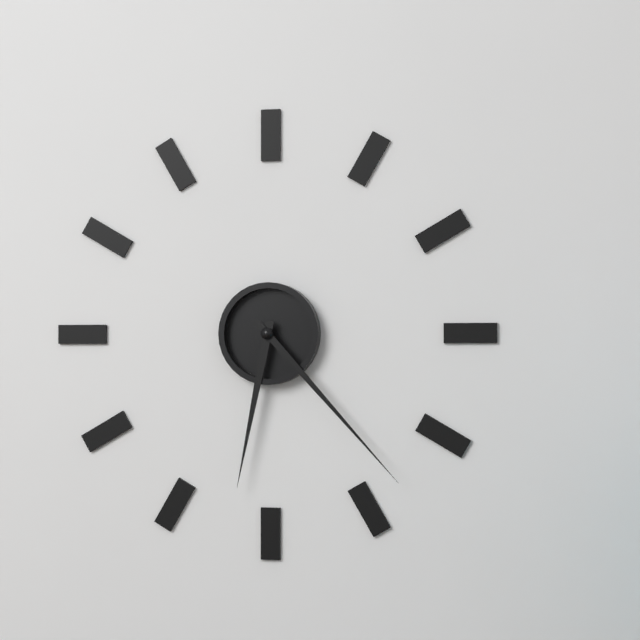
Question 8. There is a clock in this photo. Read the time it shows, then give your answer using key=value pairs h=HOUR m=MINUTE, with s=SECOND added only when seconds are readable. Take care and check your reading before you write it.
h=6 m=23
